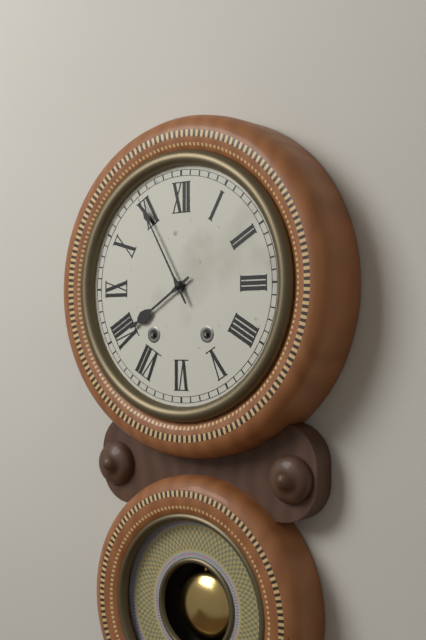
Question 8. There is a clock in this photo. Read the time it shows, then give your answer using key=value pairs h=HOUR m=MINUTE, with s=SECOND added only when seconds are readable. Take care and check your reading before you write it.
h=7 m=55
